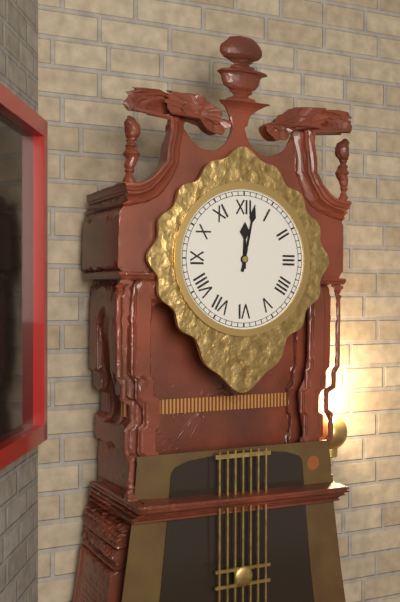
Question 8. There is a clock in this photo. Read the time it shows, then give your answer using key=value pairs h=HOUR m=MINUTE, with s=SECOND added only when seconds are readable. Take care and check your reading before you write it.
h=12 m=2
